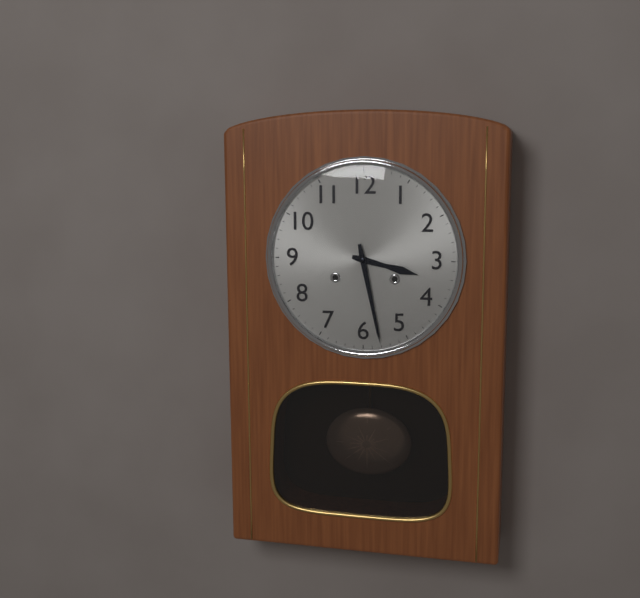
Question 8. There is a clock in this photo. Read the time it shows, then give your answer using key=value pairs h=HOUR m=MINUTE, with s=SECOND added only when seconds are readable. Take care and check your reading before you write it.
h=3 m=28
